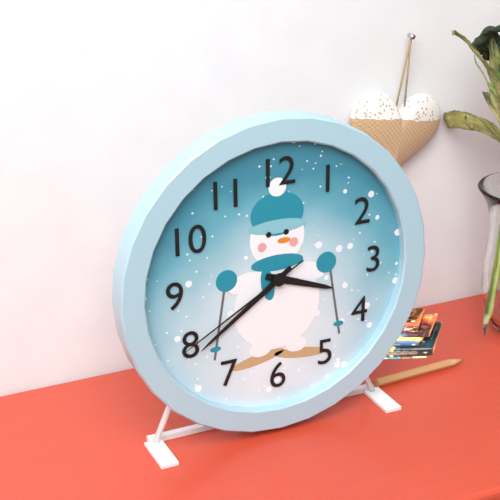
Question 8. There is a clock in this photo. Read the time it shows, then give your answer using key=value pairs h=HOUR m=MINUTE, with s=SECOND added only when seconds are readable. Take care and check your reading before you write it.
h=3 m=39 s=40
